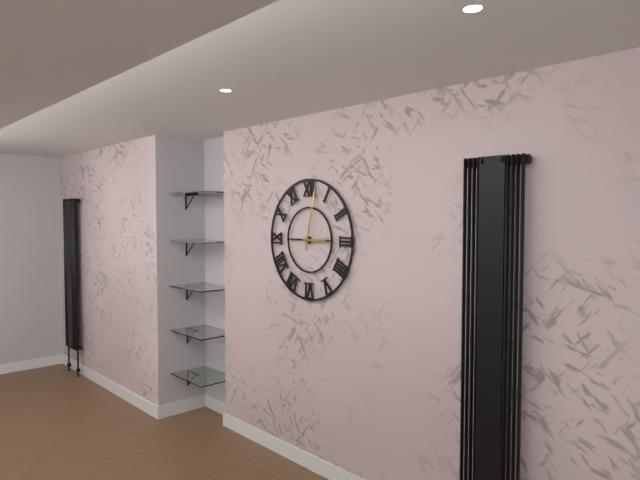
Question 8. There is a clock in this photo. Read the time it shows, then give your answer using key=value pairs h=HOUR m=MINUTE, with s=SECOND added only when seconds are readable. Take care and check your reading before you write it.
h=3 m=2
